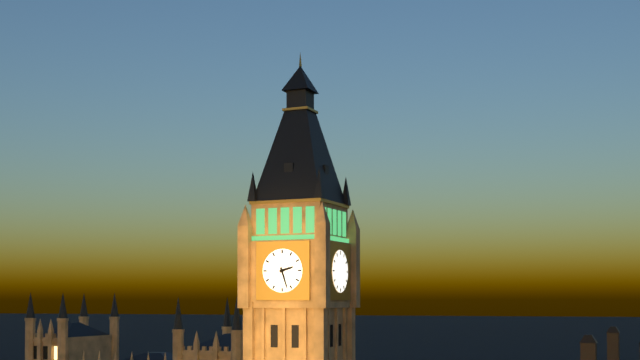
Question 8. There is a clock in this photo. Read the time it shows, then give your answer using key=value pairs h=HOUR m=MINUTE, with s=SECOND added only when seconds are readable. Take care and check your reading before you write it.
h=2 m=27
